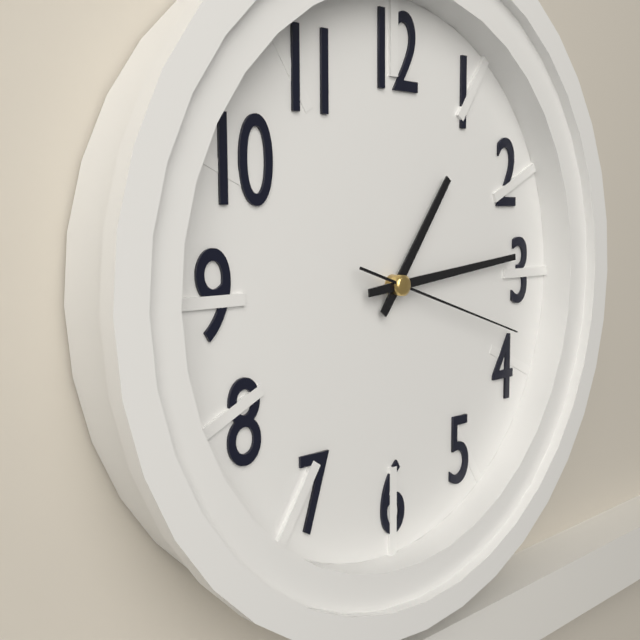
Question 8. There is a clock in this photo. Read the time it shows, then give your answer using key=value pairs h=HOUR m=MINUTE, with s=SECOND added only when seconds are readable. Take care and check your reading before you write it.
h=1 m=14 s=18
